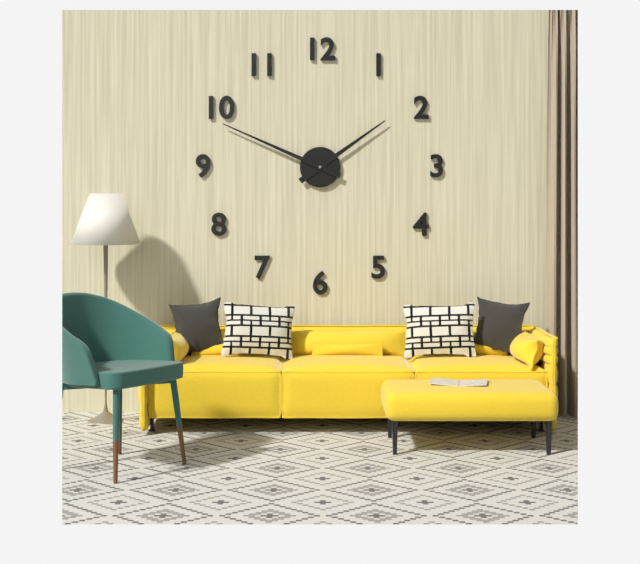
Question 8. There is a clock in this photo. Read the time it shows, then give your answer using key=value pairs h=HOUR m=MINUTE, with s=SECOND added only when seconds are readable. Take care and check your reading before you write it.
h=1 m=49
